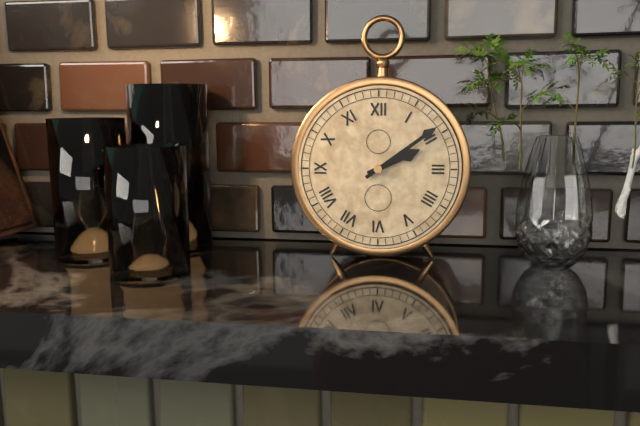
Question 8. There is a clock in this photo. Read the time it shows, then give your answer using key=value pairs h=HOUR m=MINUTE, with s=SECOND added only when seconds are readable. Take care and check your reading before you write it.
h=2 m=9
